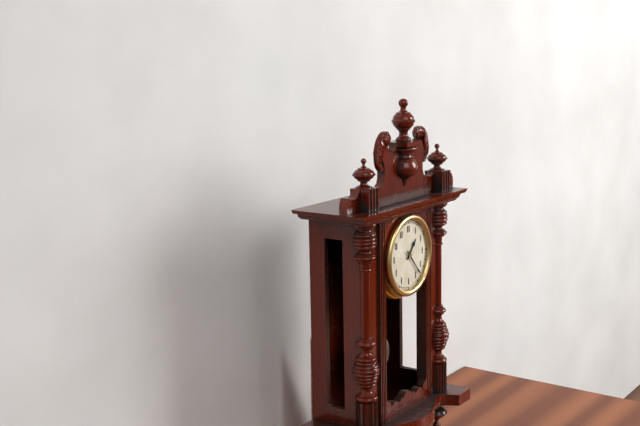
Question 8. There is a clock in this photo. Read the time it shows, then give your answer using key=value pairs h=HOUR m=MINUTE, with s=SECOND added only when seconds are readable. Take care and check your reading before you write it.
h=1 m=23
